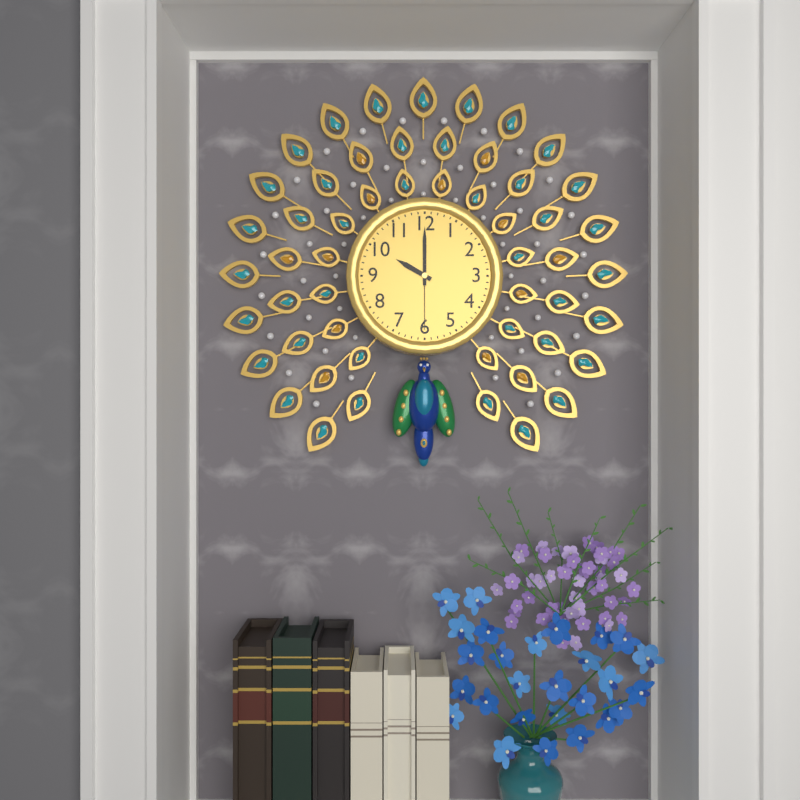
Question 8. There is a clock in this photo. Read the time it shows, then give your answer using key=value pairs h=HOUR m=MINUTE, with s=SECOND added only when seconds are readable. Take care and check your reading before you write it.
h=10 m=0 s=30
